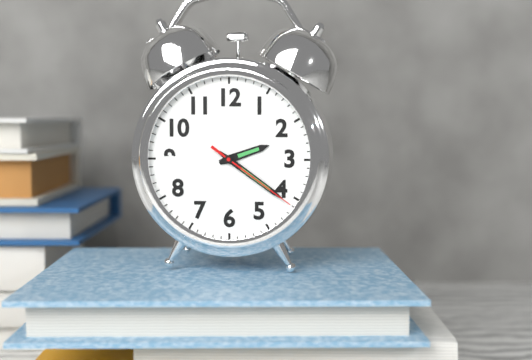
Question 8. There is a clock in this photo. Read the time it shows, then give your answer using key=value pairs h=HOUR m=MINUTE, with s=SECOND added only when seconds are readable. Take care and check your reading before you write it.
h=2 m=21 s=21
